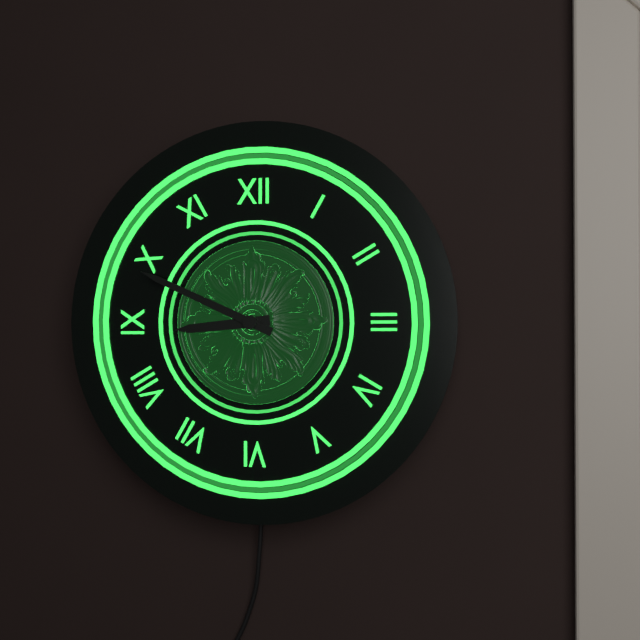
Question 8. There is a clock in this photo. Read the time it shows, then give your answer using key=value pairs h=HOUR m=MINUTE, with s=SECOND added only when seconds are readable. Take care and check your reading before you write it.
h=8 m=49
